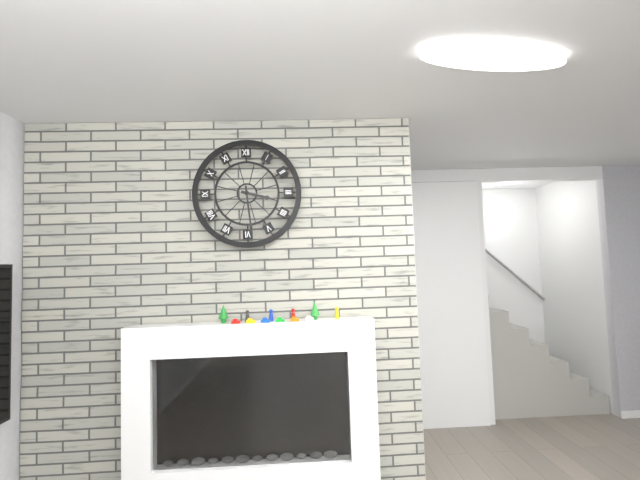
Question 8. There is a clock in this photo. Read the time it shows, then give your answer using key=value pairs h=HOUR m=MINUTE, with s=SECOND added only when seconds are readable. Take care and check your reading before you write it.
h=3 m=29
